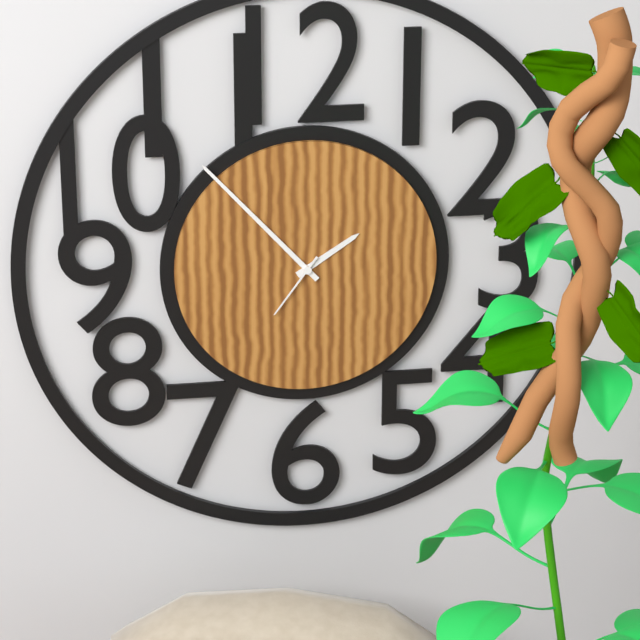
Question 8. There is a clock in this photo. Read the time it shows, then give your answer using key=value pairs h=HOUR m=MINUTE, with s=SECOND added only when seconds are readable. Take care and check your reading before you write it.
h=1 m=53 s=36
